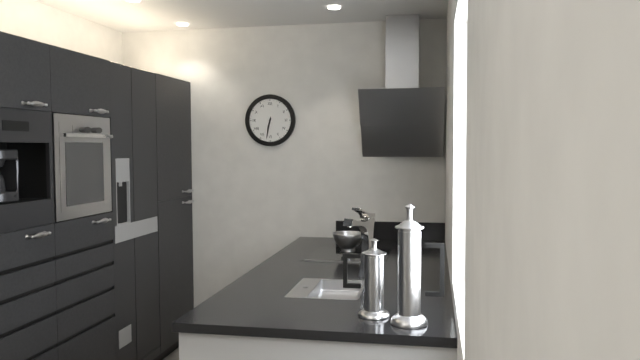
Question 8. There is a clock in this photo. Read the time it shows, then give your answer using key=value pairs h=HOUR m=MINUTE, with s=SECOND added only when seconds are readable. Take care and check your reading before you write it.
h=6 m=32
